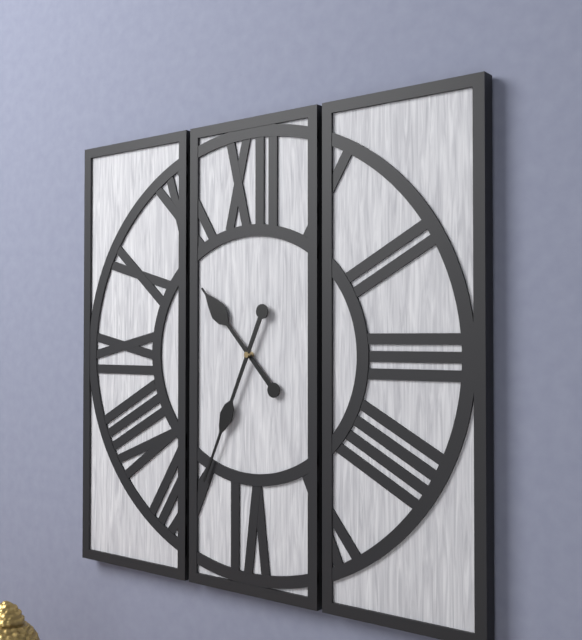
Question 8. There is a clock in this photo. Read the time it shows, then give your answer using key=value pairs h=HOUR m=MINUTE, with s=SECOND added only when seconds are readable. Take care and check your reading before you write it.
h=10 m=34
